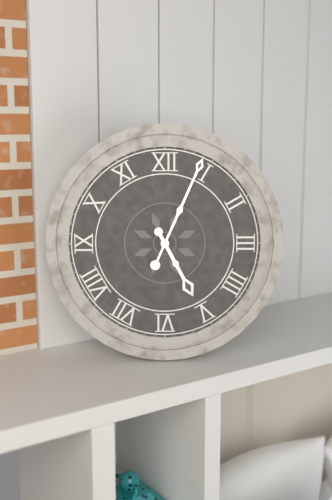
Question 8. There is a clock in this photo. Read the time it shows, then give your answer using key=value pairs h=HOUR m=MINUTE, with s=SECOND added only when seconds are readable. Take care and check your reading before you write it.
h=5 m=4
